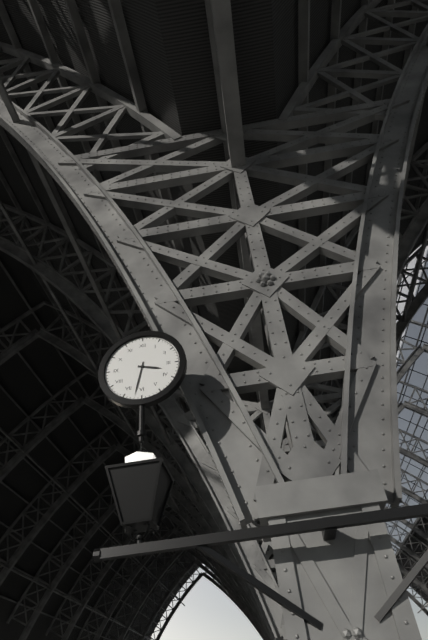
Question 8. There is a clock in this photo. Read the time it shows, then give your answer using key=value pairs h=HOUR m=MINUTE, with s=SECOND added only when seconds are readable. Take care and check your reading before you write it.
h=3 m=32
